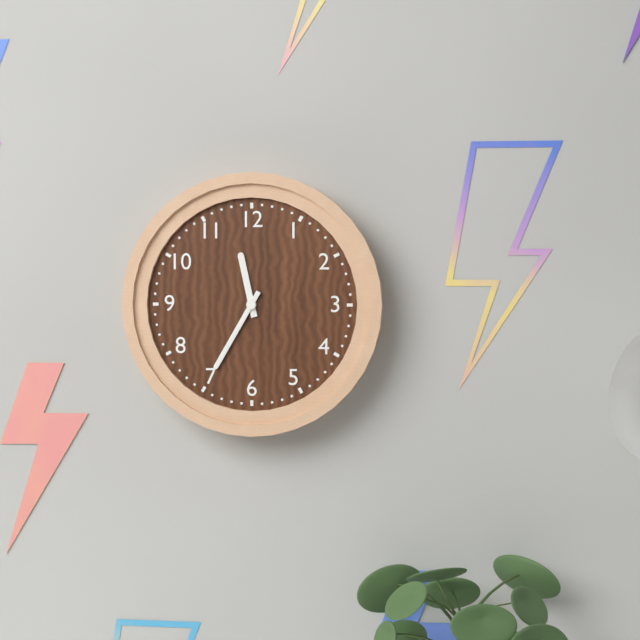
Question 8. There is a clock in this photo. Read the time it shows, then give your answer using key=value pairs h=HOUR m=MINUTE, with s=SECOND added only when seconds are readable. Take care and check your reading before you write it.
h=11 m=35
